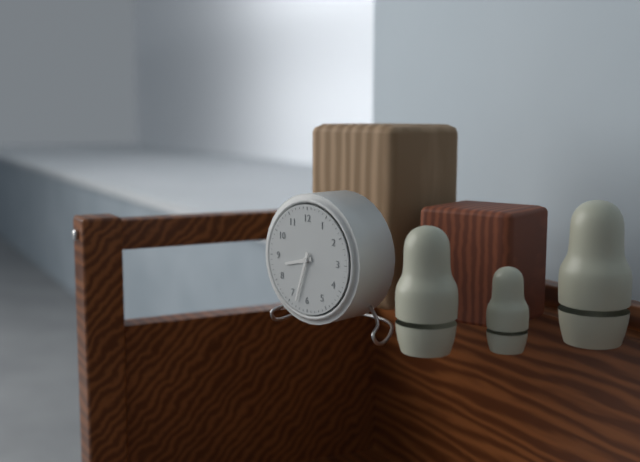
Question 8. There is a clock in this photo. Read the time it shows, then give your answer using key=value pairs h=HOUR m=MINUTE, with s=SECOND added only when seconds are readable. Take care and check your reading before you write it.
h=8 m=33
